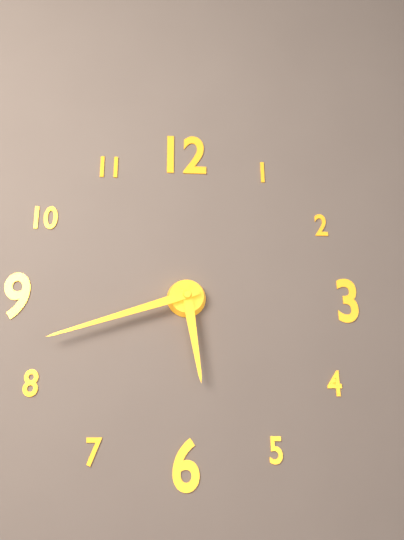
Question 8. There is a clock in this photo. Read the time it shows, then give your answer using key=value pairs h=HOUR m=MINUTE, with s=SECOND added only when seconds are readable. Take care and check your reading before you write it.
h=5 m=42
